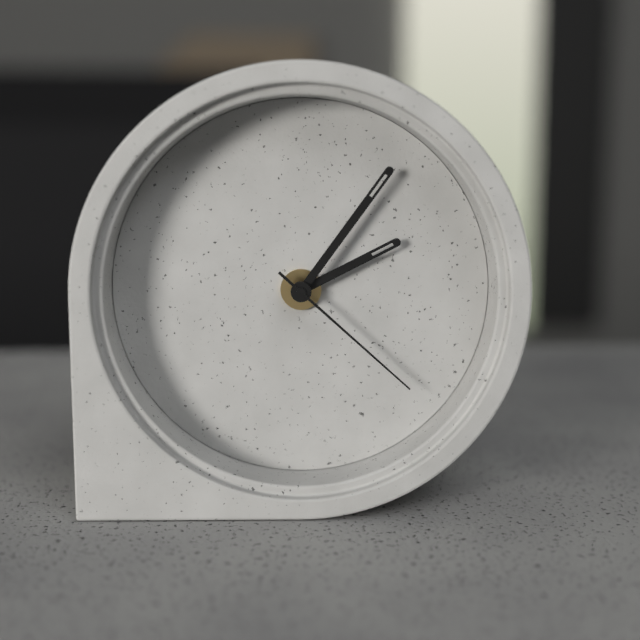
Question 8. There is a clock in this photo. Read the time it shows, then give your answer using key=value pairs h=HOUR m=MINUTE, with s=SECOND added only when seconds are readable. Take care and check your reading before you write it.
h=2 m=6 s=22
